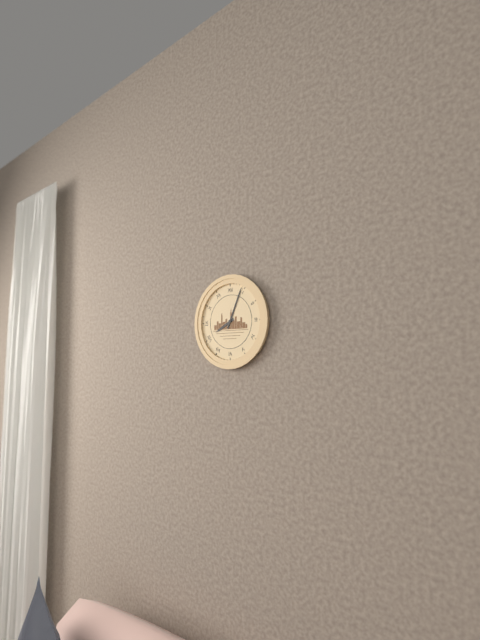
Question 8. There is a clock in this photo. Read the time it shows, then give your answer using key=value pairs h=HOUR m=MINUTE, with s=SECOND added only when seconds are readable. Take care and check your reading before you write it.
h=8 m=4
